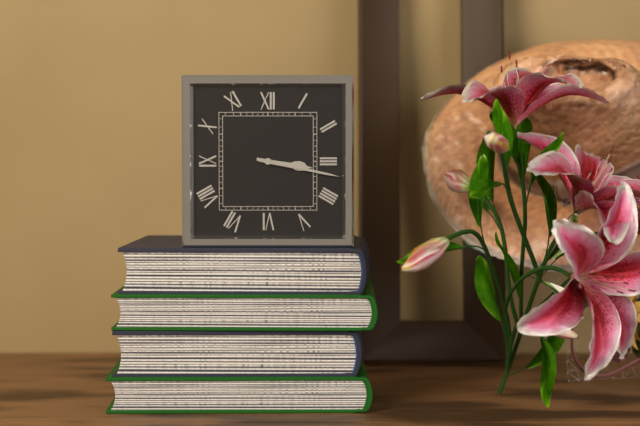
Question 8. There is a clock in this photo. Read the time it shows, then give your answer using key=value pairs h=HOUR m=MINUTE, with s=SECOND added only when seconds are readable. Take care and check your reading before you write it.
h=3 m=17
